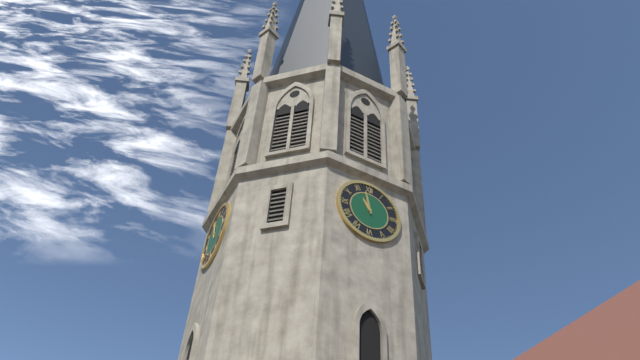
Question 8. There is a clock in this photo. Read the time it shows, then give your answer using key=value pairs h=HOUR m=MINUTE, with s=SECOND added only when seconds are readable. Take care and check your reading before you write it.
h=10 m=58
